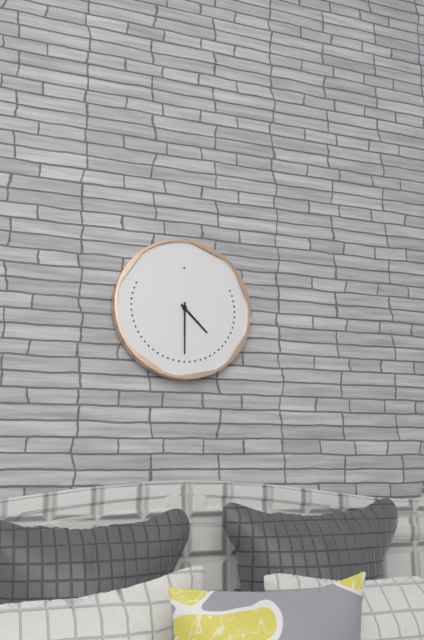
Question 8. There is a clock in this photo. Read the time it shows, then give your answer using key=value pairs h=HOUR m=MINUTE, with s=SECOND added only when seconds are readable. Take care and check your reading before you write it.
h=4 m=30
